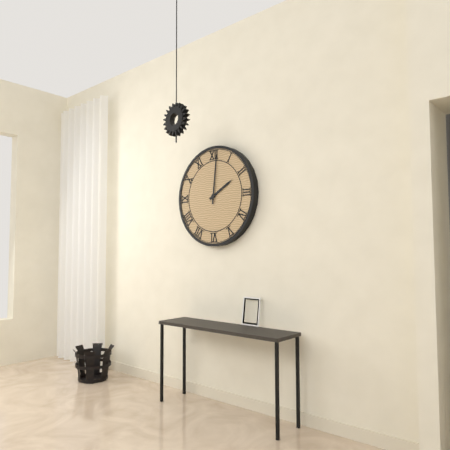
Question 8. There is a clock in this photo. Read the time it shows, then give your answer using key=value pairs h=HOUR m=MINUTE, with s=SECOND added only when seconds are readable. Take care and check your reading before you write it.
h=2 m=1
